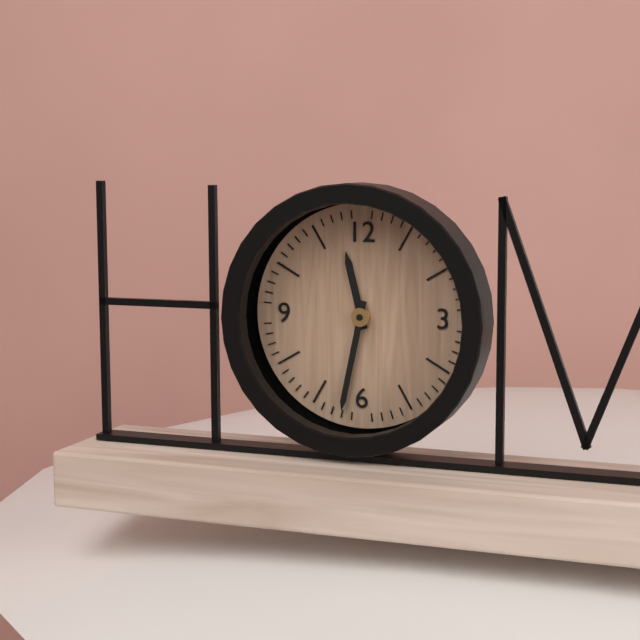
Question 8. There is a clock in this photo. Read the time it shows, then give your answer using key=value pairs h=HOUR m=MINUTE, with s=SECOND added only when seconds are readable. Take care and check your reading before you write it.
h=11 m=32
